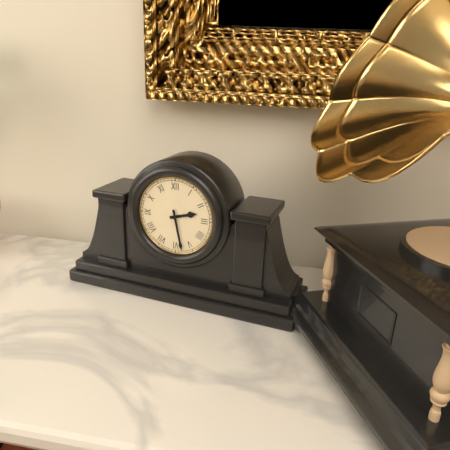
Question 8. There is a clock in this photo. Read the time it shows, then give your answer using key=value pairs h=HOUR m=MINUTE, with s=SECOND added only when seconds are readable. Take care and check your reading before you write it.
h=2 m=28
